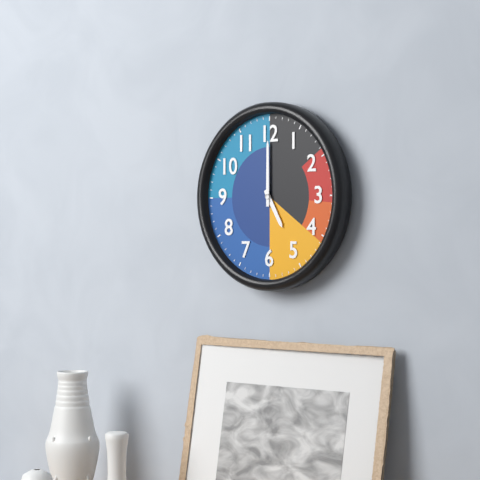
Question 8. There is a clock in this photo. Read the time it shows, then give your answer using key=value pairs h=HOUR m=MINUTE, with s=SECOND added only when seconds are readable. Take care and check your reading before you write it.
h=5 m=0
